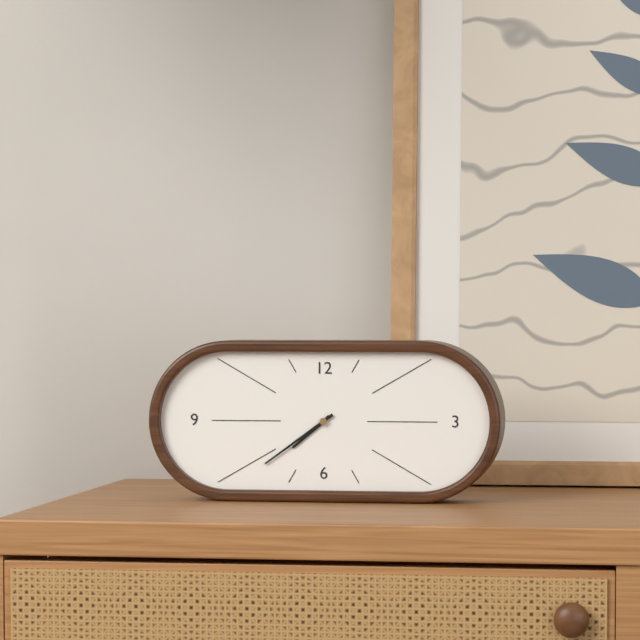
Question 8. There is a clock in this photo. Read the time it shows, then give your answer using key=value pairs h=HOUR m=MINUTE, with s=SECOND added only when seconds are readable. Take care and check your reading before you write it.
h=7 m=39
